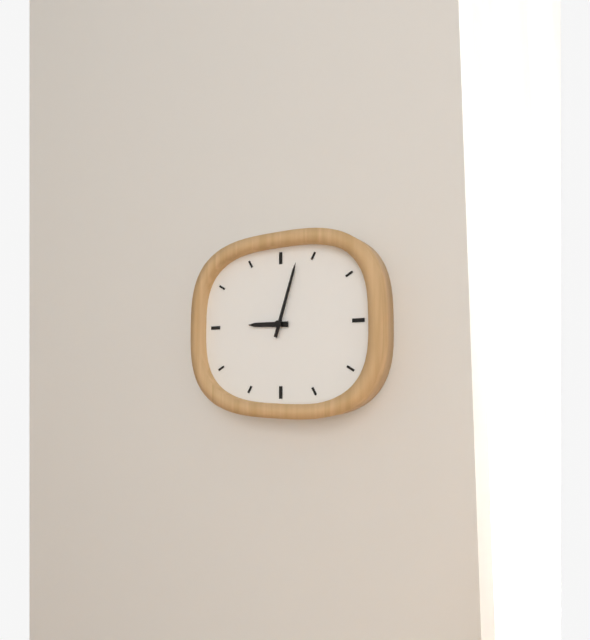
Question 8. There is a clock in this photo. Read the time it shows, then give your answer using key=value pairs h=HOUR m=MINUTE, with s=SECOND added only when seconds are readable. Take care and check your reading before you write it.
h=9 m=3
